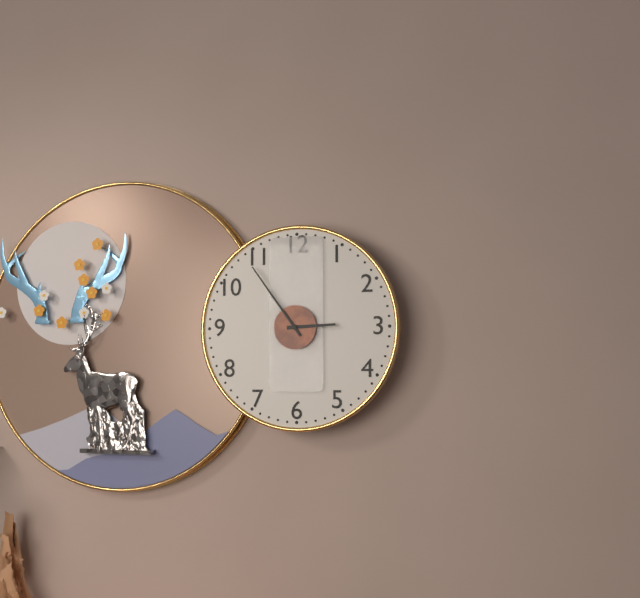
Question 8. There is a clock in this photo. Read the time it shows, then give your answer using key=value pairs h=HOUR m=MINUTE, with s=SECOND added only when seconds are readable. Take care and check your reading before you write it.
h=2 m=54
